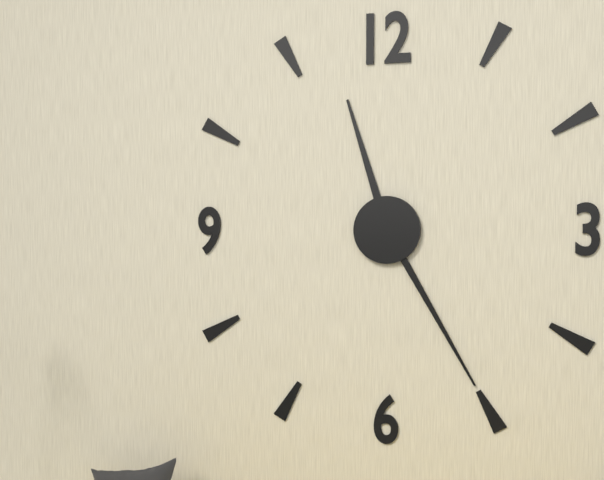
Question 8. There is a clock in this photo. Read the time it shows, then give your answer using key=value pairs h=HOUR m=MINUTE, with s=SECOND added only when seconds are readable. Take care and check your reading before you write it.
h=11 m=25
